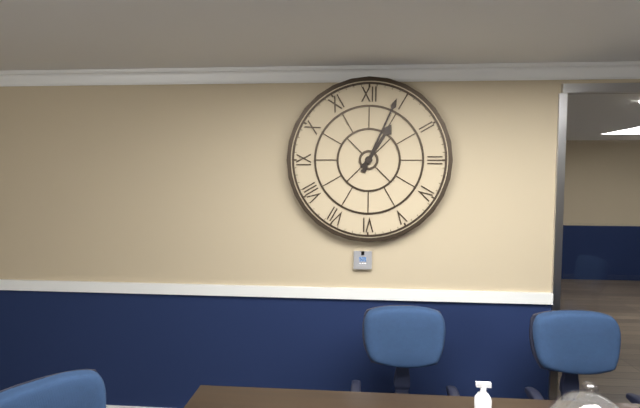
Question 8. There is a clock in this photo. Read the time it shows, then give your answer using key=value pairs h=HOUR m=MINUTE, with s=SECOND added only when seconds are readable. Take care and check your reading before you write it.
h=1 m=4
